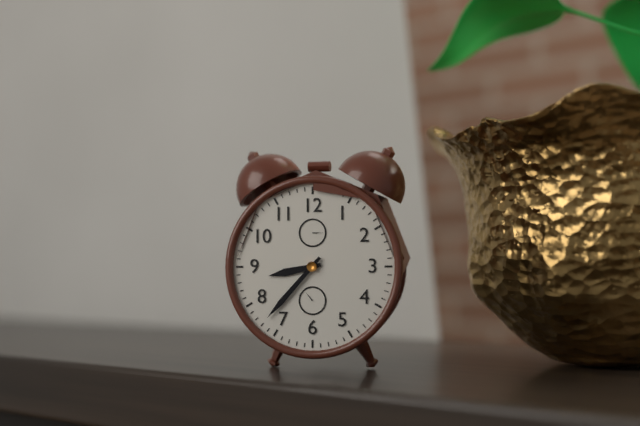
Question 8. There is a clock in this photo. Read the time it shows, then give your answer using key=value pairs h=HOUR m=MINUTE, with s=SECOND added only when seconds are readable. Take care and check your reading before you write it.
h=8 m=37
